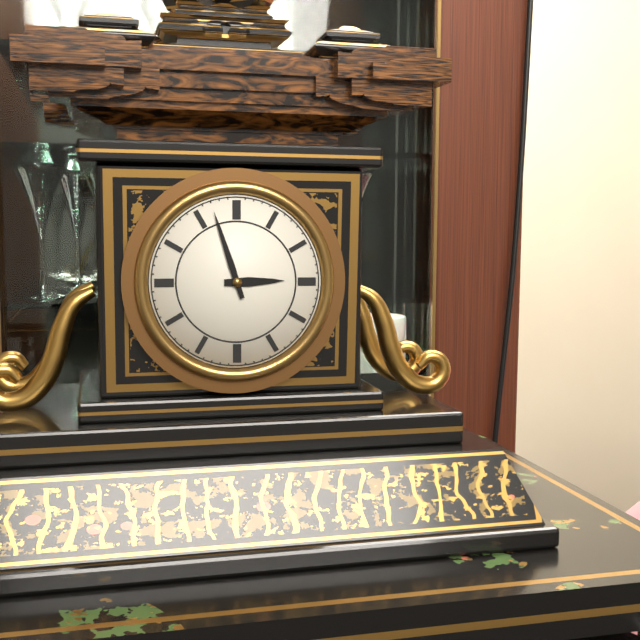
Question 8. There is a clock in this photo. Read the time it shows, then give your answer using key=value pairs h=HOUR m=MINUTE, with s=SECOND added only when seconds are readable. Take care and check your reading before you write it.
h=2 m=57
